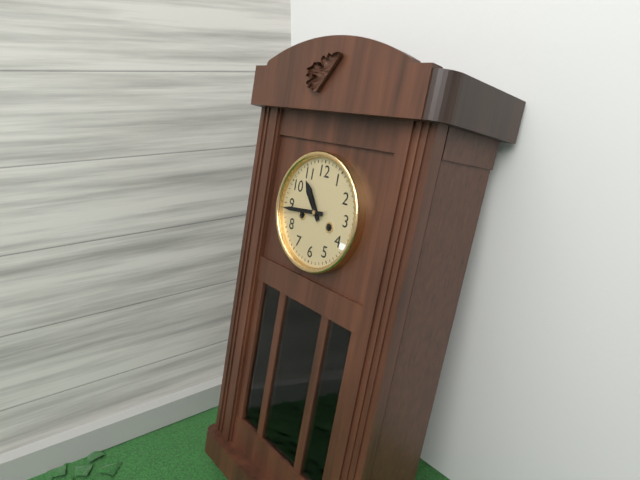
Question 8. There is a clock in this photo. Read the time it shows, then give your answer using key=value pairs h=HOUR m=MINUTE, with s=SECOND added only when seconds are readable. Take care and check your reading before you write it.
h=10 m=44
